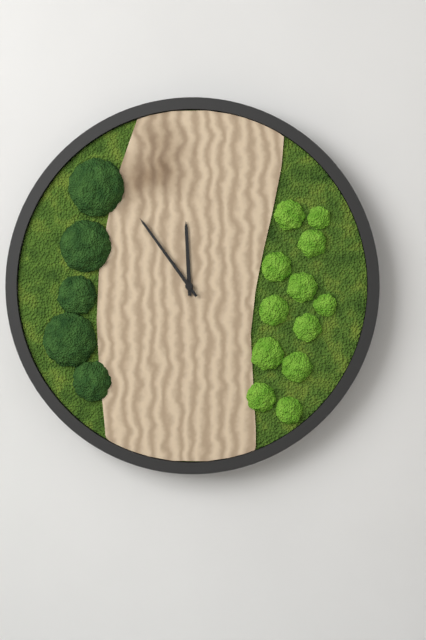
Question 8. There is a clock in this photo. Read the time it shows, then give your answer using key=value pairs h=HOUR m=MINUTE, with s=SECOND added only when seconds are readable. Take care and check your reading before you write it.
h=11 m=54
